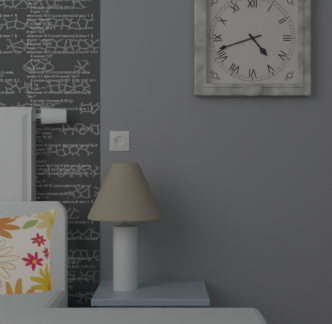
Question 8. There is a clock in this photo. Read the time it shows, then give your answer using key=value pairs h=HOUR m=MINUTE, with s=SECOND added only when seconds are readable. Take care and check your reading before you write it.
h=4 m=42
